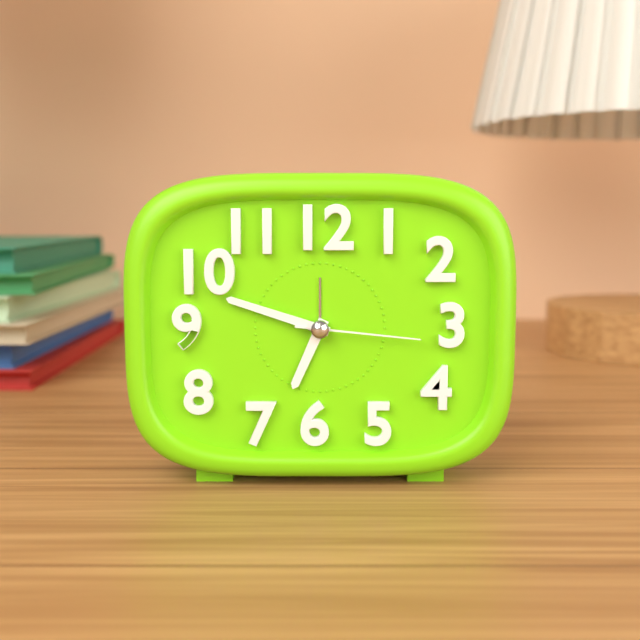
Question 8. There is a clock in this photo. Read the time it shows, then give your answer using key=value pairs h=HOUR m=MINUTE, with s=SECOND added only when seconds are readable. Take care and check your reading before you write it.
h=6 m=48 s=16
